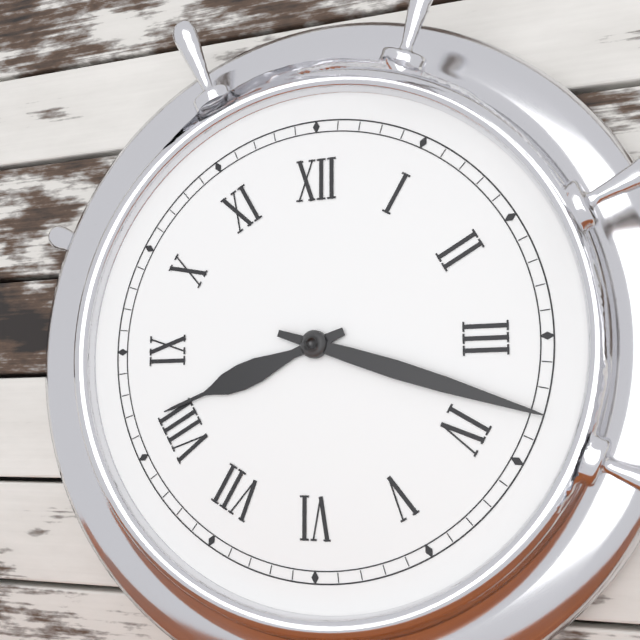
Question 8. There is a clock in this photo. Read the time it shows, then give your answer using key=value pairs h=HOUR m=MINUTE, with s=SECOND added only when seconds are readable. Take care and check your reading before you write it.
h=8 m=18
